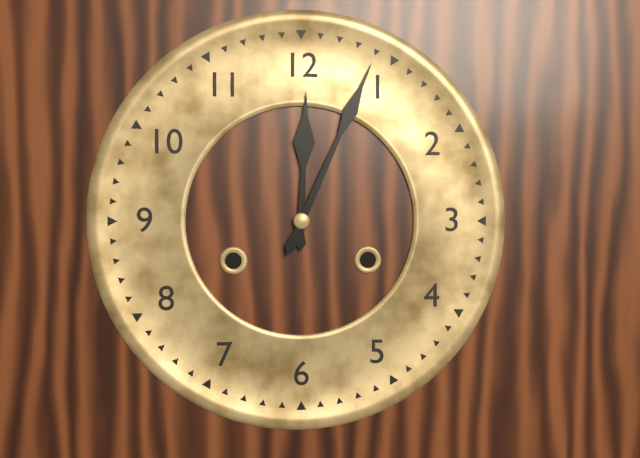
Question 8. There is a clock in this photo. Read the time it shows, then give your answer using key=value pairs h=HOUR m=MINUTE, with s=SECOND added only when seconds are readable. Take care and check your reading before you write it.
h=12 m=4
